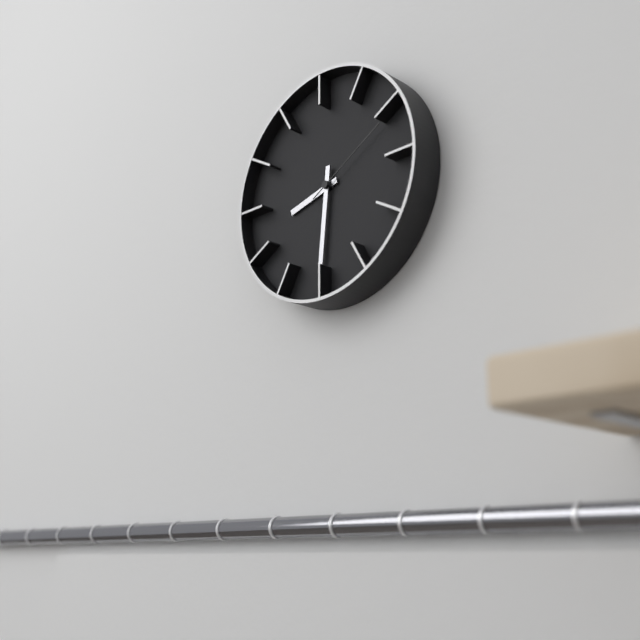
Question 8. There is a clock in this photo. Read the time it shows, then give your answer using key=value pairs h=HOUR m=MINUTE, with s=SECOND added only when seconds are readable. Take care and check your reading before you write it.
h=8 m=31 s=10
